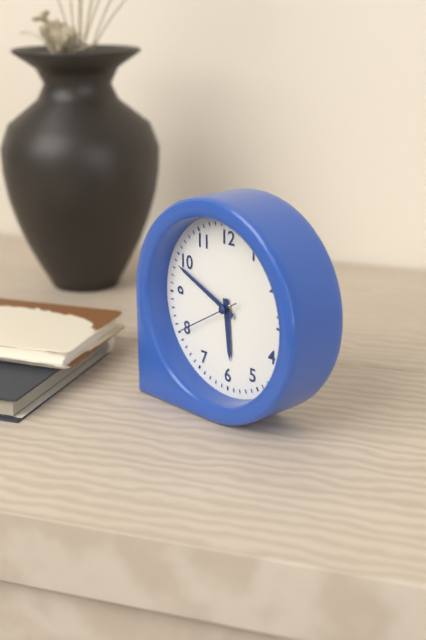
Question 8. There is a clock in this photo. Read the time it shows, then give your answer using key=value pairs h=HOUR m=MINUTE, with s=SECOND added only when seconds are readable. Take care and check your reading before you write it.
h=5 m=49 s=40
